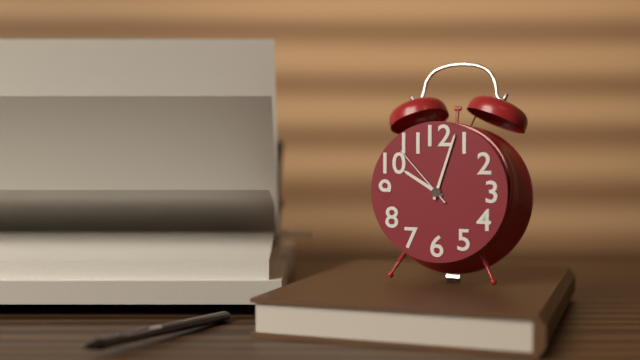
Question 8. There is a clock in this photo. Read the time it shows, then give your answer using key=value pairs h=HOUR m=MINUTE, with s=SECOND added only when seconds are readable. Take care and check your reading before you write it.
h=10 m=3 s=53
